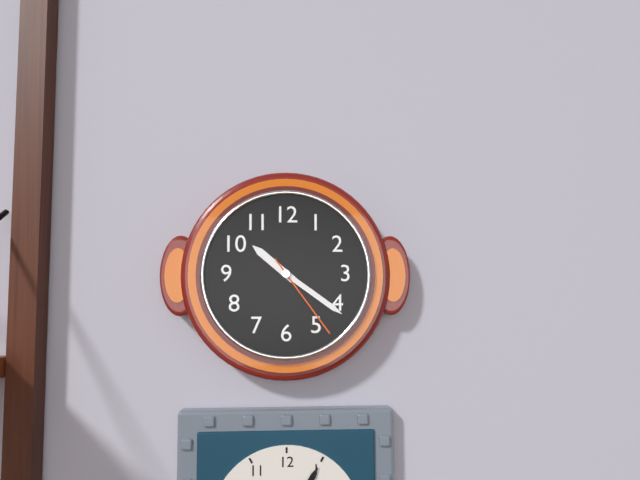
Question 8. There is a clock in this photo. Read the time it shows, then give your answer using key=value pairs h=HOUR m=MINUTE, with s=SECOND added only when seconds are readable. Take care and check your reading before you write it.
h=10 m=21 s=24
